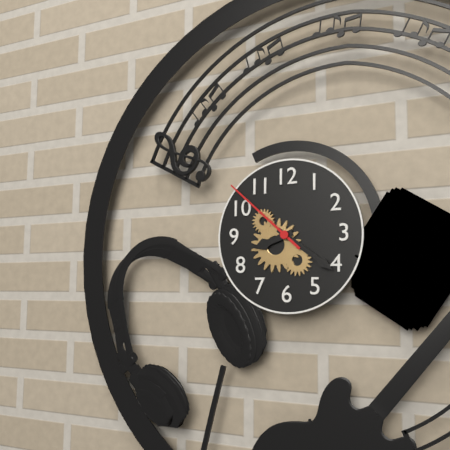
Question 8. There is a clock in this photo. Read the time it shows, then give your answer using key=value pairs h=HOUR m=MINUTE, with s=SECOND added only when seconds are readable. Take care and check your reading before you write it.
h=8 m=21 s=52
